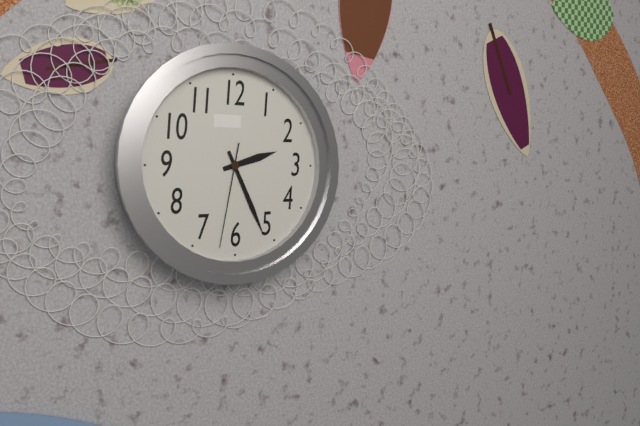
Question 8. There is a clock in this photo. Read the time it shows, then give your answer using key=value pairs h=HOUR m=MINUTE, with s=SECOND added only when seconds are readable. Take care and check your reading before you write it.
h=2 m=26 s=32
